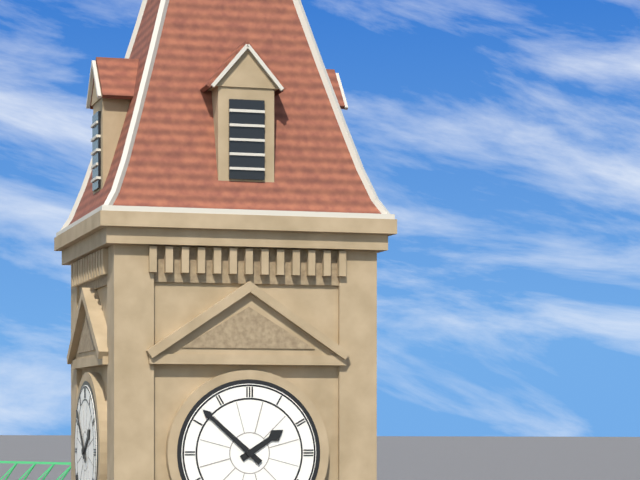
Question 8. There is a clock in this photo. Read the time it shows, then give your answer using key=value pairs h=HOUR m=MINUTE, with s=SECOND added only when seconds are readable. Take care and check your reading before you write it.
h=1 m=52
